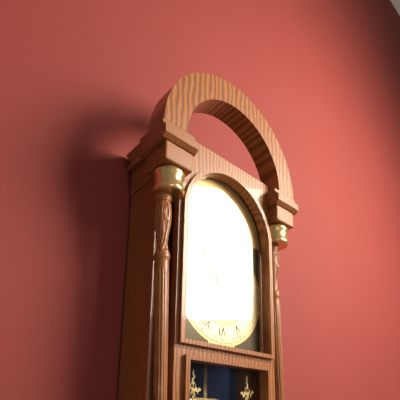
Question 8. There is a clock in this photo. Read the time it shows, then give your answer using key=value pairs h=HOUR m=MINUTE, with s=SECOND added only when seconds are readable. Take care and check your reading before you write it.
h=11 m=54
